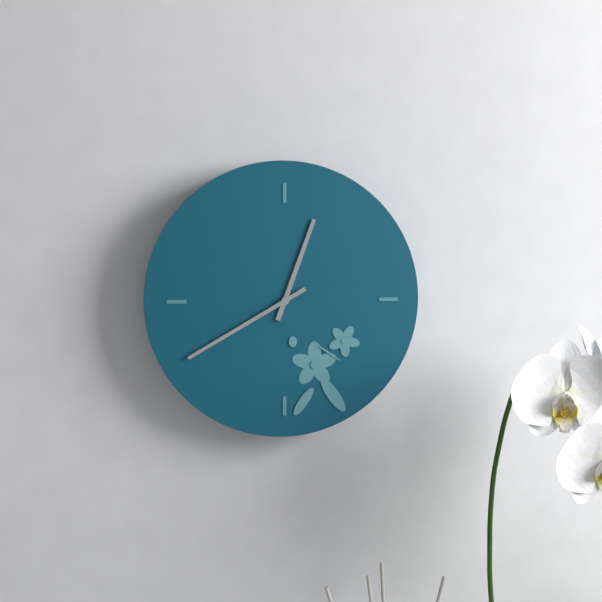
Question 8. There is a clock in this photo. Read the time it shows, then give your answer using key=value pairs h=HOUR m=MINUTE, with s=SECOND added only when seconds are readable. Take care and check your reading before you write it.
h=12 m=40
